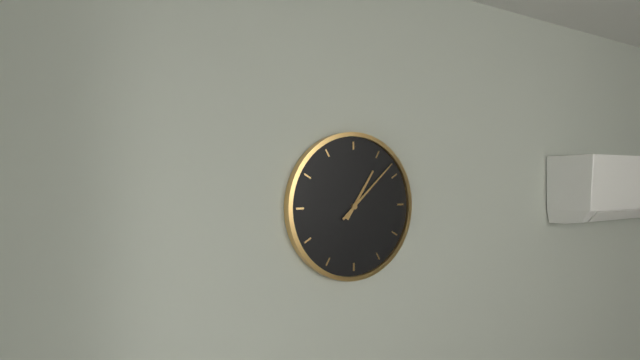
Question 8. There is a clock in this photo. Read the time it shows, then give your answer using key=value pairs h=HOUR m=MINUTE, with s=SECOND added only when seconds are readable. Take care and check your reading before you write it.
h=1 m=8
